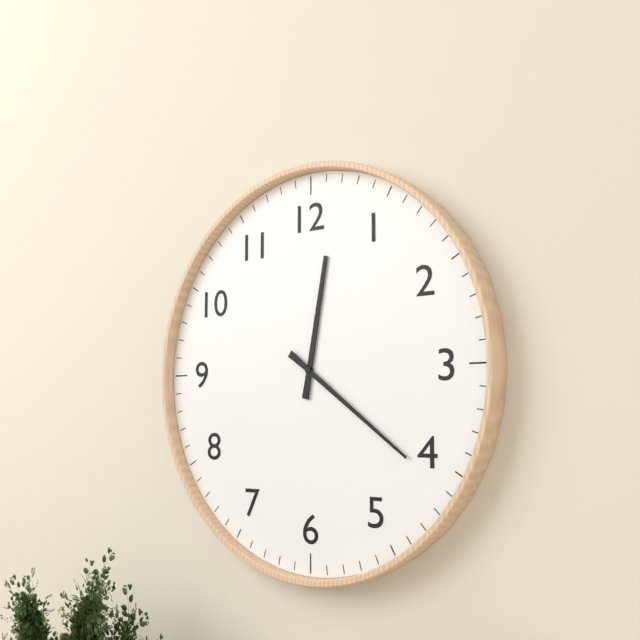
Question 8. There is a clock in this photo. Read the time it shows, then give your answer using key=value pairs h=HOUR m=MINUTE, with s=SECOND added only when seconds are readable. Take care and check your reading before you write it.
h=12 m=21
